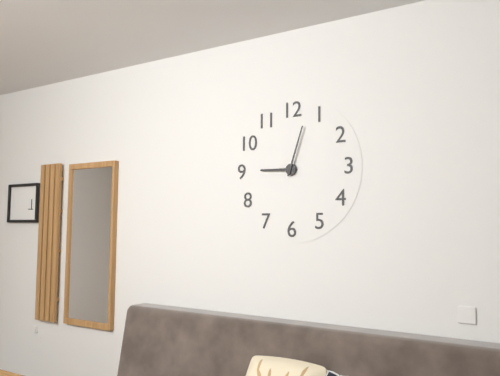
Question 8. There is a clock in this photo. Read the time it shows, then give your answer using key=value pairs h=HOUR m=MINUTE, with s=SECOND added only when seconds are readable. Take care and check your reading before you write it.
h=9 m=3
